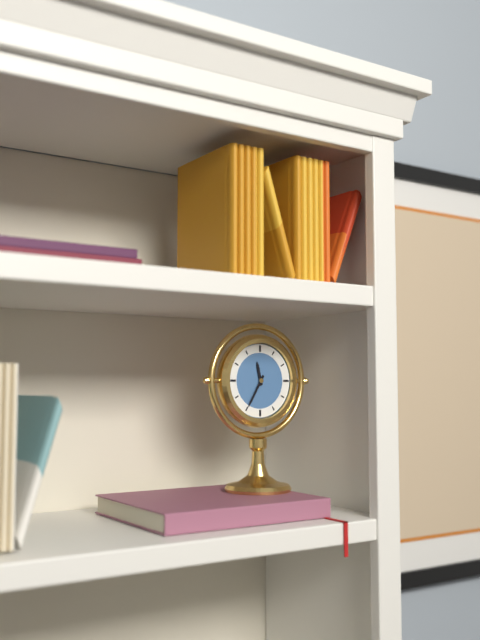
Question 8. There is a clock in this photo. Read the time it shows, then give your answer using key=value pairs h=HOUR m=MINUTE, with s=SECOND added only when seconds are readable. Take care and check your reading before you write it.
h=11 m=35
